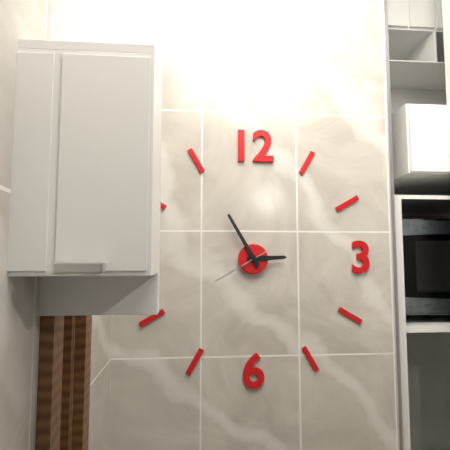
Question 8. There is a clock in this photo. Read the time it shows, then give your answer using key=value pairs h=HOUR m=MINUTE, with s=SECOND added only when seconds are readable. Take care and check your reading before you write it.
h=2 m=55 s=40
